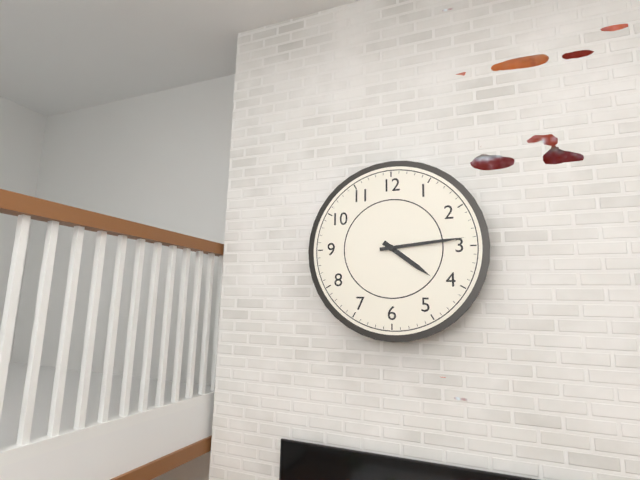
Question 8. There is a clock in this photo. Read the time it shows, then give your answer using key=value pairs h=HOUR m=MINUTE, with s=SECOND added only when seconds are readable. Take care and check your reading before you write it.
h=4 m=14
